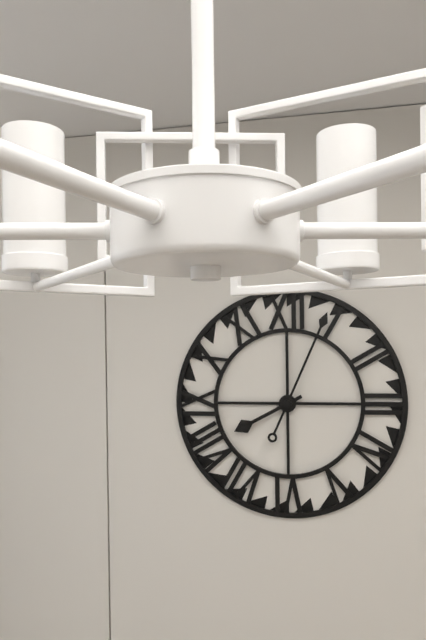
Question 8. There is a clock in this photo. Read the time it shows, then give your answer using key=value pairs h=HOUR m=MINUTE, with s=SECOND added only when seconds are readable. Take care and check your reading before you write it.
h=8 m=4
